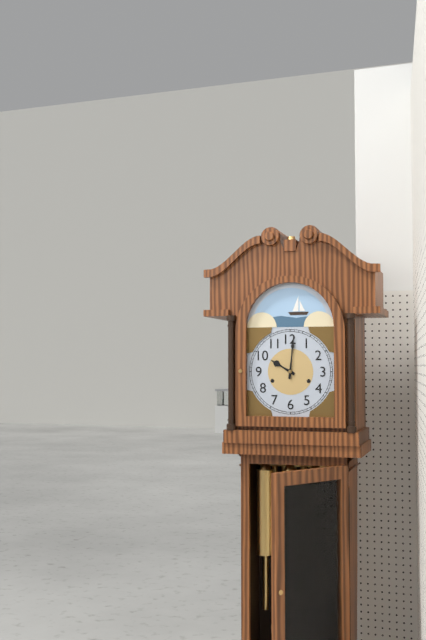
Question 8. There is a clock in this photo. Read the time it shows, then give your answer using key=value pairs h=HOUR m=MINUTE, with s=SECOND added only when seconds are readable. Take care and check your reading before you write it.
h=10 m=1
